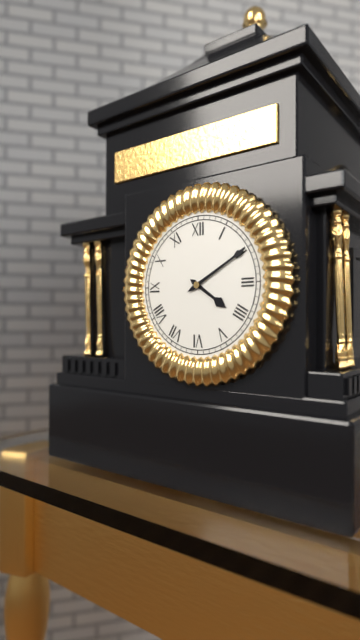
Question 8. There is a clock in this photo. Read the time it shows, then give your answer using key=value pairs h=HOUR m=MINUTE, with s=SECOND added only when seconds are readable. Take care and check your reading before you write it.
h=4 m=10
